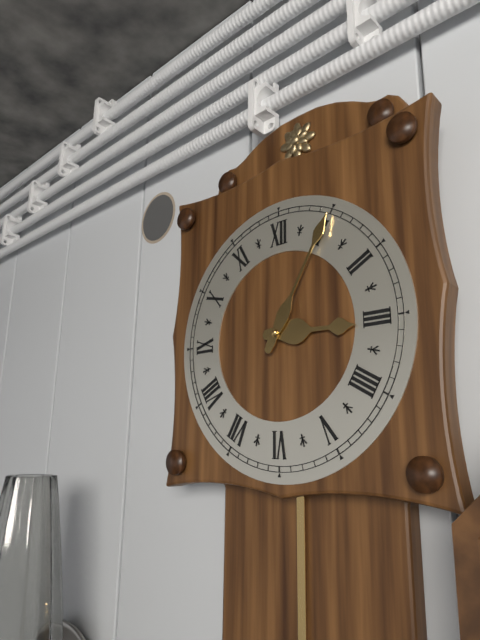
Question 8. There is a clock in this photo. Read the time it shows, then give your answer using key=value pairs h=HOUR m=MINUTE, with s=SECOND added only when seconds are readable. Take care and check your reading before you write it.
h=3 m=5
